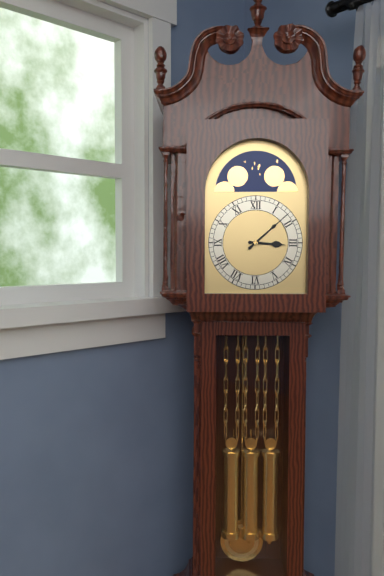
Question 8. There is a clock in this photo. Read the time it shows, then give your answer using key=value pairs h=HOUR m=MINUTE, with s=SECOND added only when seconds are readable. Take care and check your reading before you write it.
h=3 m=8
